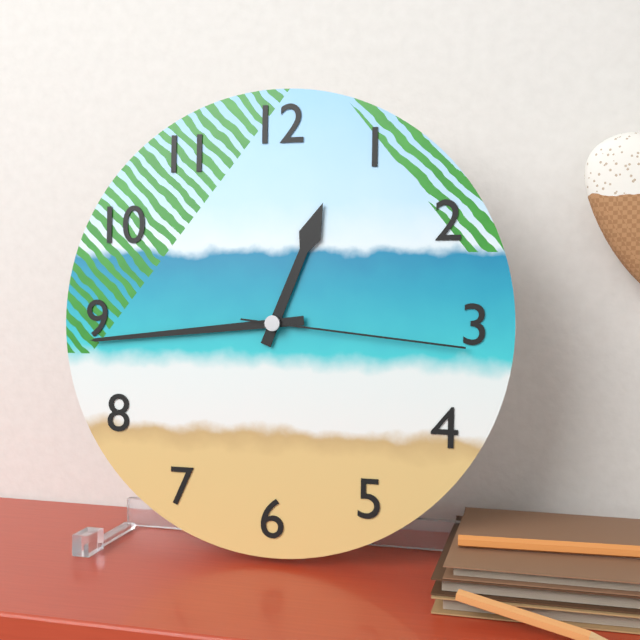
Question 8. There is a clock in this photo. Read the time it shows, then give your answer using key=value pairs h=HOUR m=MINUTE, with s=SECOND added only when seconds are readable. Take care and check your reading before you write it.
h=12 m=44 s=16
